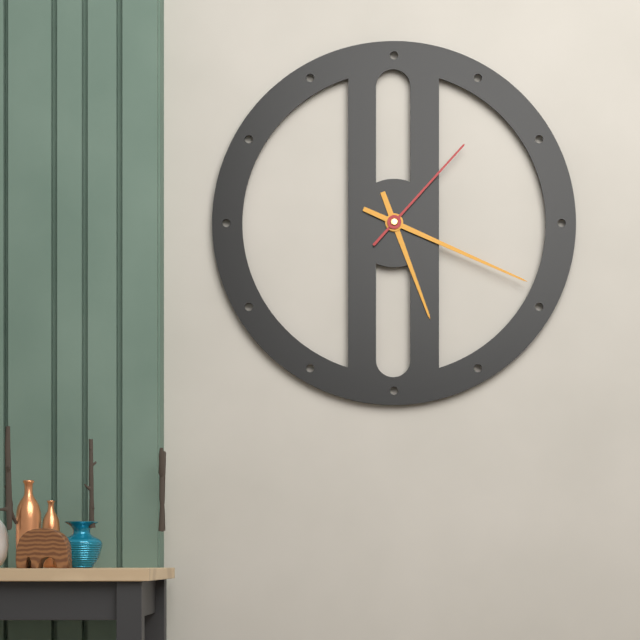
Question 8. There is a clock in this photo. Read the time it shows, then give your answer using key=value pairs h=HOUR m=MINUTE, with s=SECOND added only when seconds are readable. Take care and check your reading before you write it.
h=5 m=19 s=7
